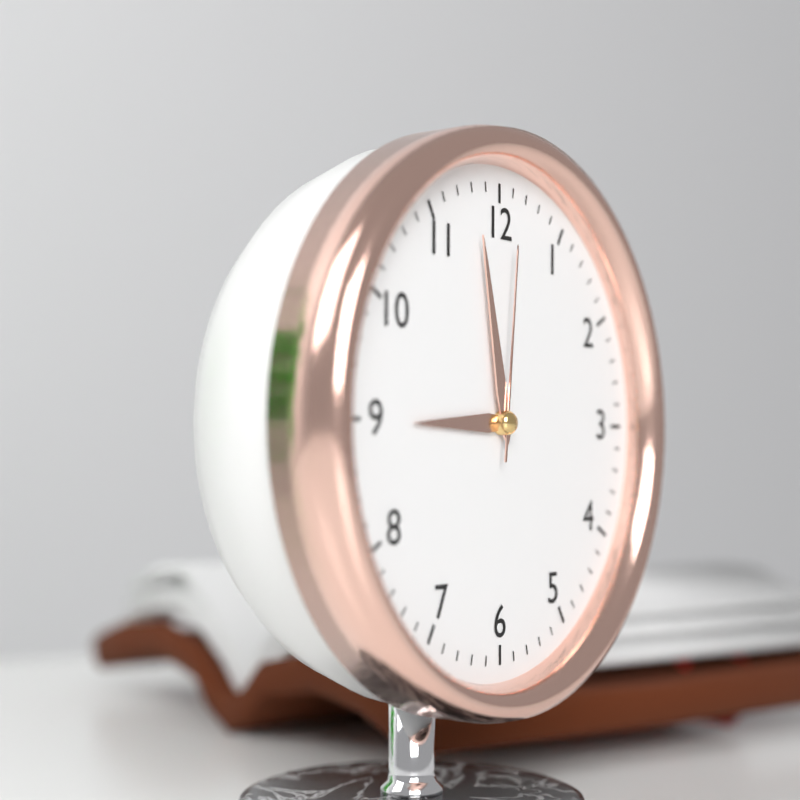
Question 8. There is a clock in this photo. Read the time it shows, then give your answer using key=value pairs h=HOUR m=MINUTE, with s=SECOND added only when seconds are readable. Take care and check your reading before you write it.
h=8 m=58 s=1
